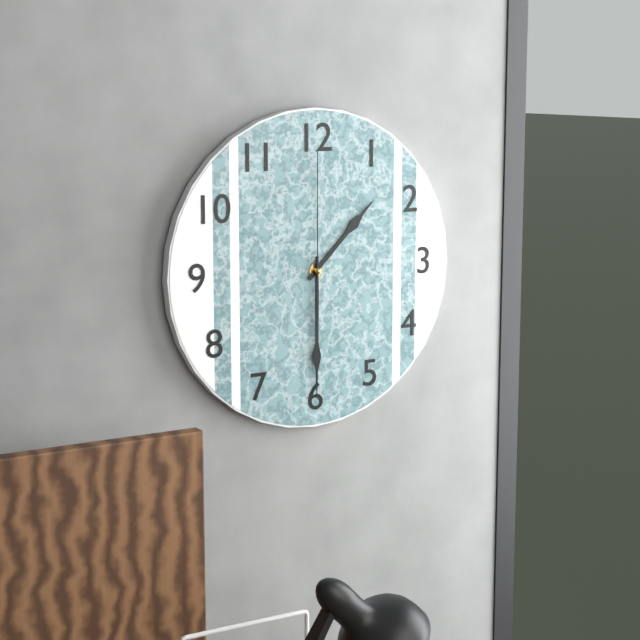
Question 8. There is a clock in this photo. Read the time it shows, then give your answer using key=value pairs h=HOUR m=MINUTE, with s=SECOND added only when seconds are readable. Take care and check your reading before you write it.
h=1 m=30 s=0
